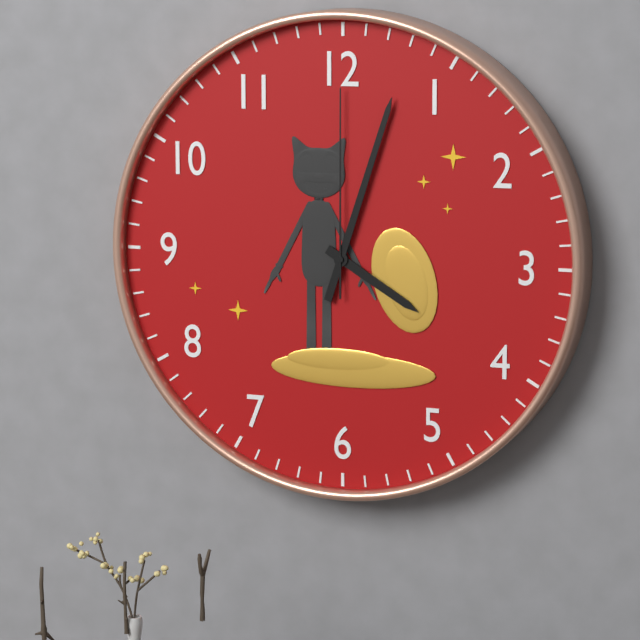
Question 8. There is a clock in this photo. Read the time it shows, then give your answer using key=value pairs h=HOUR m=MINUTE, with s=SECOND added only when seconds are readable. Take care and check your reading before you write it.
h=4 m=3 s=0
